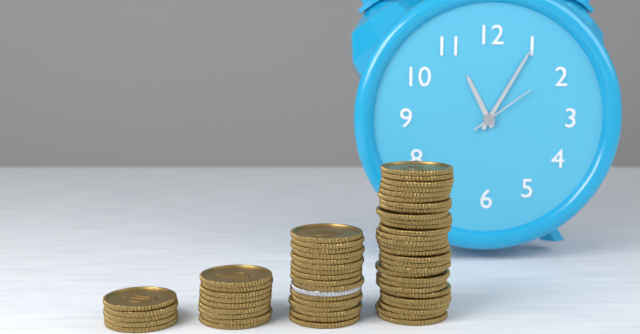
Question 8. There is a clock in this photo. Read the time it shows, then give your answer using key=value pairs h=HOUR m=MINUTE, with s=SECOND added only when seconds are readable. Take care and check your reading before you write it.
h=11 m=5 s=9
